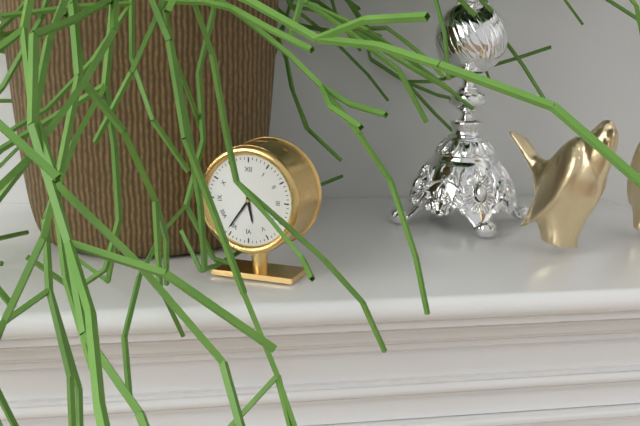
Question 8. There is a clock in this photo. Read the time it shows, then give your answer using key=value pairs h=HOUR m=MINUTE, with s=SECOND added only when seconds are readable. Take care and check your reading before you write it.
h=5 m=36
